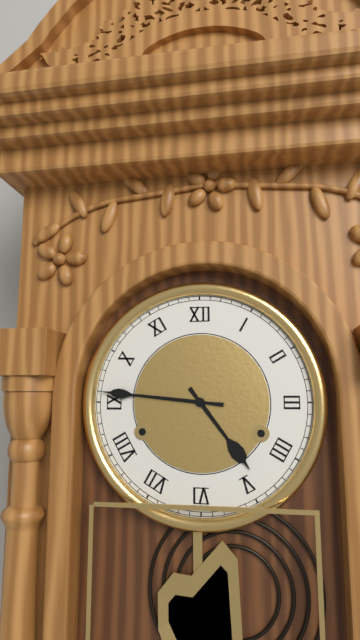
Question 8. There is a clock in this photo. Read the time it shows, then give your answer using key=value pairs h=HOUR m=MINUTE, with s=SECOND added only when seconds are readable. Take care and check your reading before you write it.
h=4 m=46
